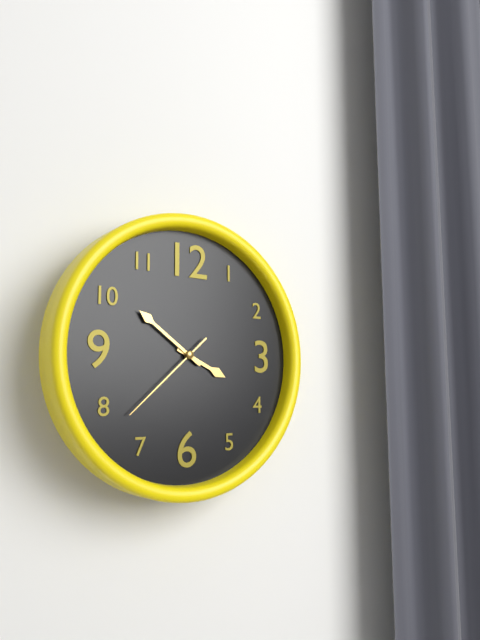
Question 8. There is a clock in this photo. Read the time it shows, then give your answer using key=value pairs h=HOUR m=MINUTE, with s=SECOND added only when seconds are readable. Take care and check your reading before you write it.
h=3 m=51 s=38
